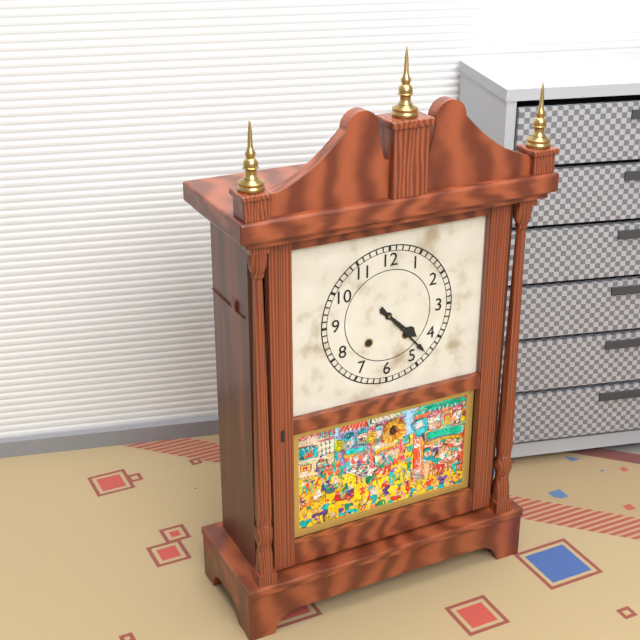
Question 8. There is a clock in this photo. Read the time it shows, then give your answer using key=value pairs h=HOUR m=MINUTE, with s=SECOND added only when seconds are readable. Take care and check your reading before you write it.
h=4 m=23
